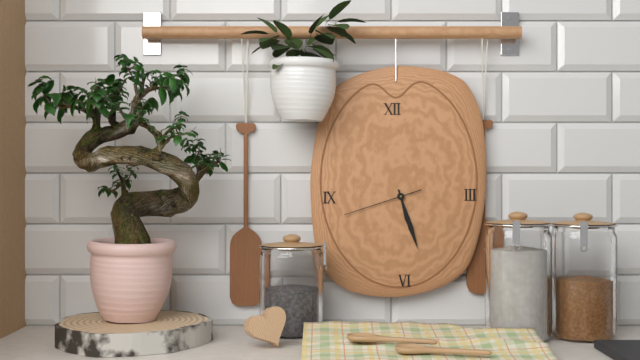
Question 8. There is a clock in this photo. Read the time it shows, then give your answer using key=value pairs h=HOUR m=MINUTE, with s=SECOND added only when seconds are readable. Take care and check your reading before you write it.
h=5 m=27 s=42
